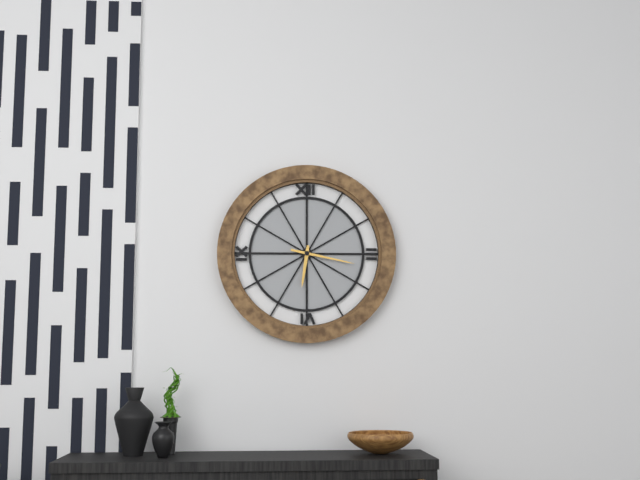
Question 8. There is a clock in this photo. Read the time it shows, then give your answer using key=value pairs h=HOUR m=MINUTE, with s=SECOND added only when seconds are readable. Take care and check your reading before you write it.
h=6 m=17
